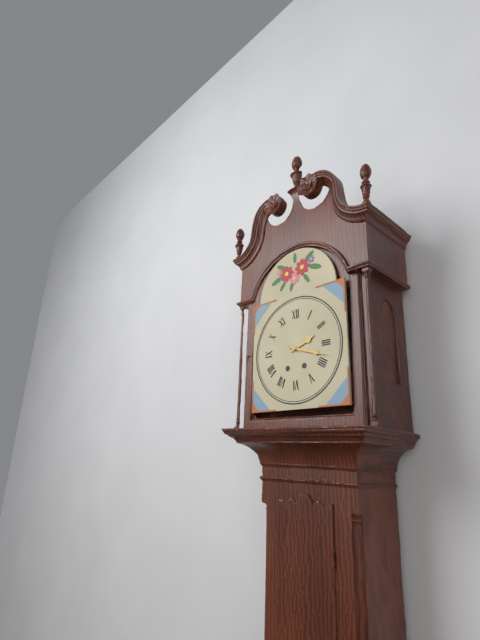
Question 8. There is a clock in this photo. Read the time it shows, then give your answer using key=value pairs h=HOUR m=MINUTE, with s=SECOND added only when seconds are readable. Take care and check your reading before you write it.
h=2 m=18
